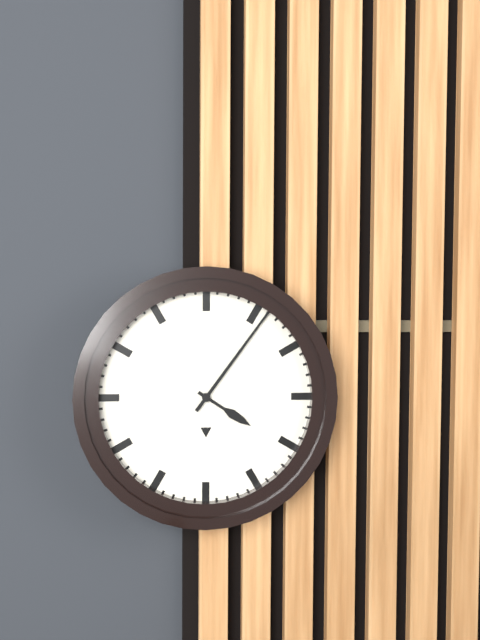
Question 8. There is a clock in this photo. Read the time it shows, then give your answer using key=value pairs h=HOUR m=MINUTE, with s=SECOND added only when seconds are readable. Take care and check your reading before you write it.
h=4 m=6
